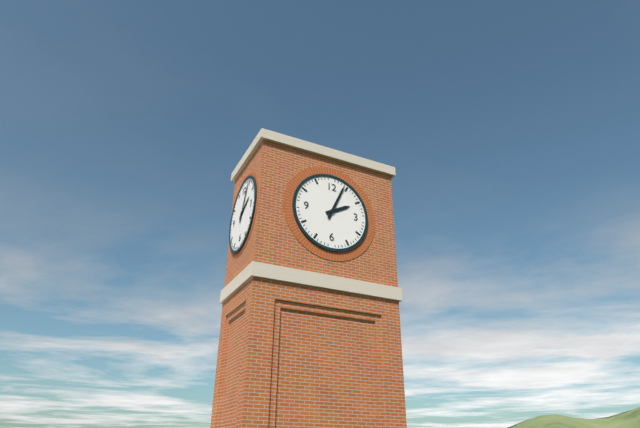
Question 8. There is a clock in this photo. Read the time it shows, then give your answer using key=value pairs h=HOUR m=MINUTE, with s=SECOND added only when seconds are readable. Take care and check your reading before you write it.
h=2 m=4
